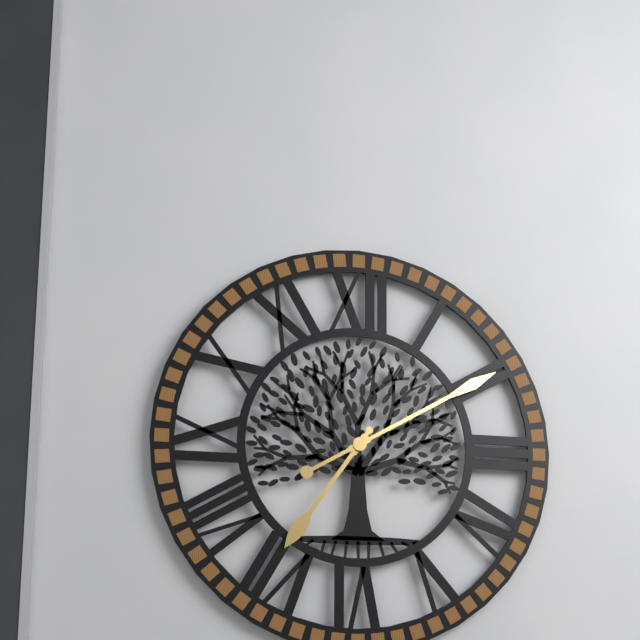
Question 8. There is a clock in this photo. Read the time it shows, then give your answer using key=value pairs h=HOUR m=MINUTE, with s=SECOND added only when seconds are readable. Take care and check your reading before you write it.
h=7 m=10
